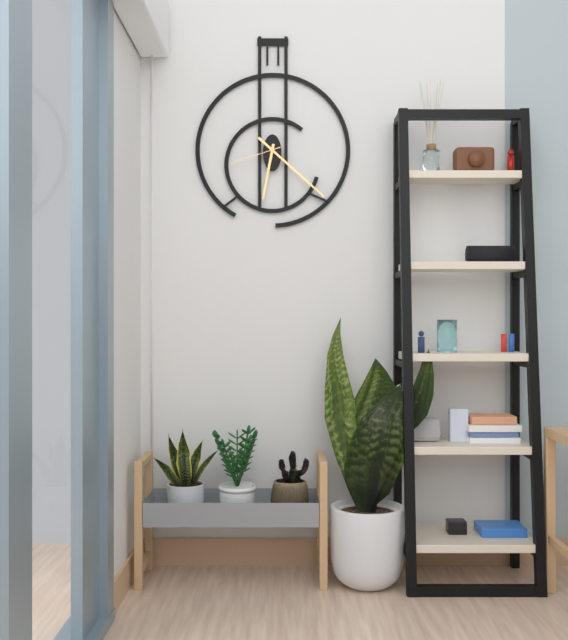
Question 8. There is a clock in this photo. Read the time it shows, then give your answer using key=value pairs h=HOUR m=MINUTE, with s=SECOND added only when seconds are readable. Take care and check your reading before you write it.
h=6 m=22 s=42
